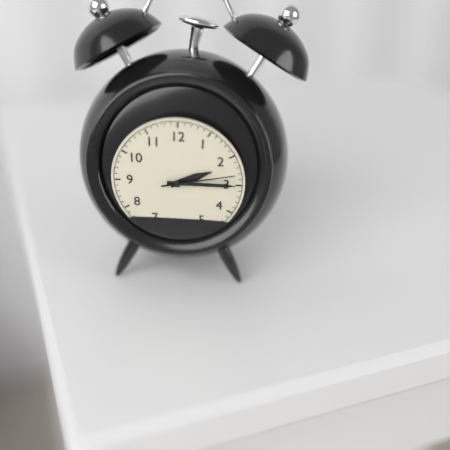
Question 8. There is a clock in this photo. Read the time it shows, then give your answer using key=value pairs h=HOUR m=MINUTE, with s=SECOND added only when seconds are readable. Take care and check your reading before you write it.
h=2 m=15 s=13
